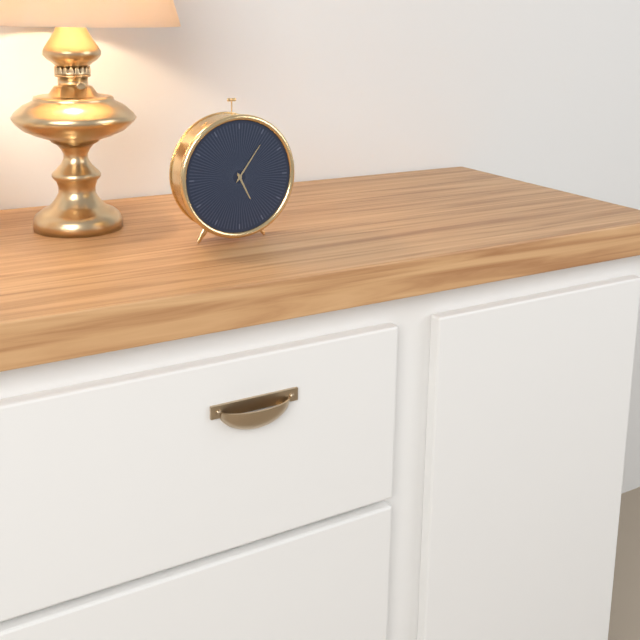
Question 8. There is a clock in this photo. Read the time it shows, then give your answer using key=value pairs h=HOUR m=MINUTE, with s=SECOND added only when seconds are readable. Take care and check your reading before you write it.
h=5 m=6
